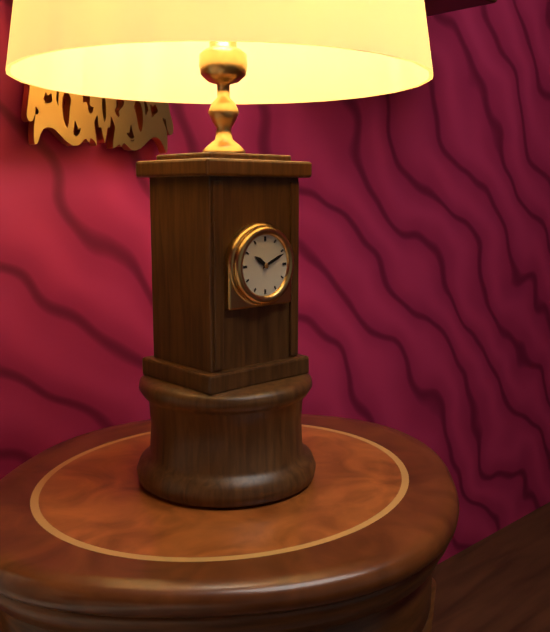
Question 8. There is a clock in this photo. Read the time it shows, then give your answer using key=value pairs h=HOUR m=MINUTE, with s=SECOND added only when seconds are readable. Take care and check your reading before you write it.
h=10 m=11
